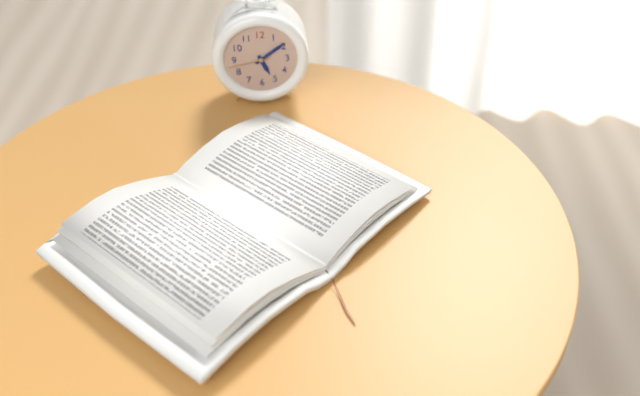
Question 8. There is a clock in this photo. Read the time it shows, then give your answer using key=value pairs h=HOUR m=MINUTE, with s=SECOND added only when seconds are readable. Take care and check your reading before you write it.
h=5 m=9
